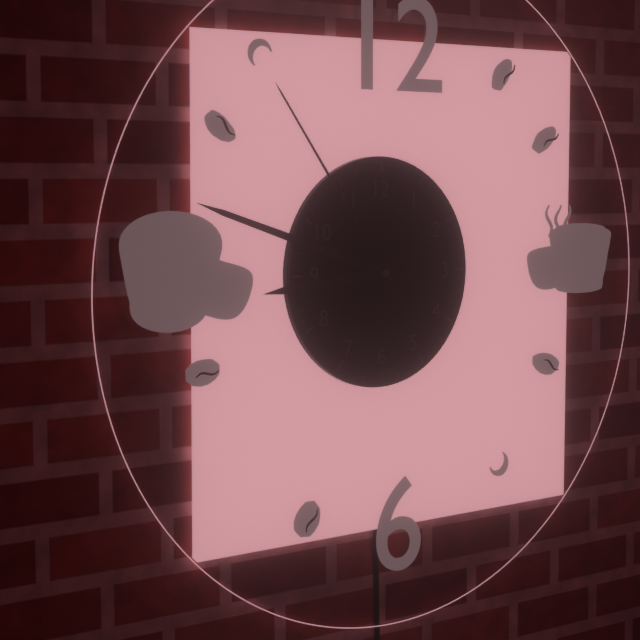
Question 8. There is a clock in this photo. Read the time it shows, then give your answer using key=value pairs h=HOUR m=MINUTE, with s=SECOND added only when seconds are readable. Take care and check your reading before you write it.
h=8 m=48 s=54
